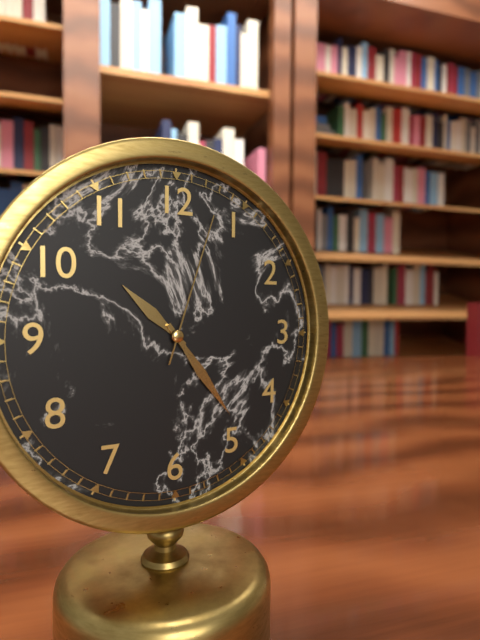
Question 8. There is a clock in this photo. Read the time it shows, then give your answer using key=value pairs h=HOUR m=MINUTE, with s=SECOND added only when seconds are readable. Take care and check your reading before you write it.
h=10 m=24 s=3
